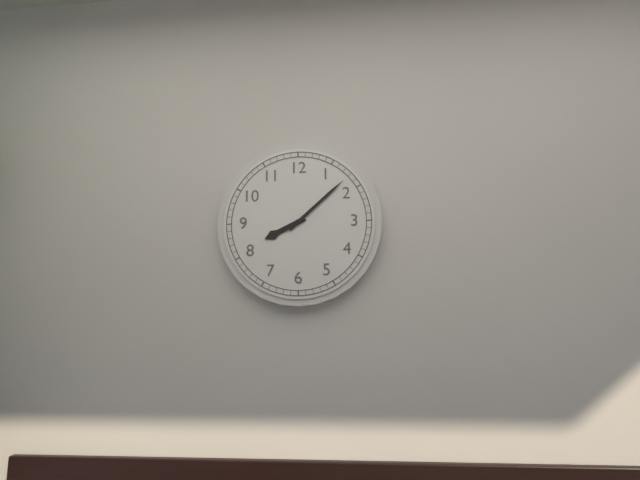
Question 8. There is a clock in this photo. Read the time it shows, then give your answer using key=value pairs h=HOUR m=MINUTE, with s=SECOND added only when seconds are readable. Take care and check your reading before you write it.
h=8 m=8
